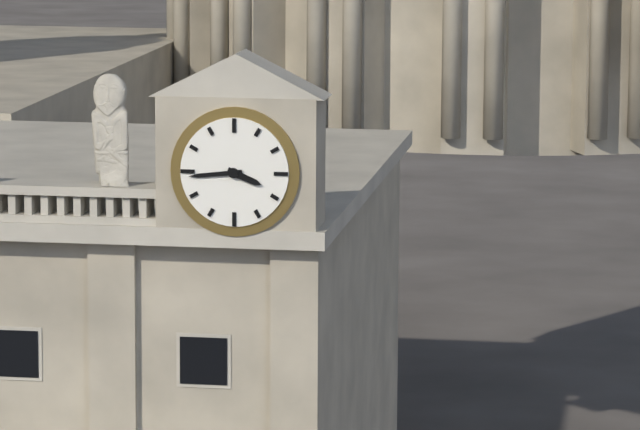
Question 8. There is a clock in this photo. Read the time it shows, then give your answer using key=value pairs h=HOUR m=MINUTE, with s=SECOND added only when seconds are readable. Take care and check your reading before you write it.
h=3 m=44
